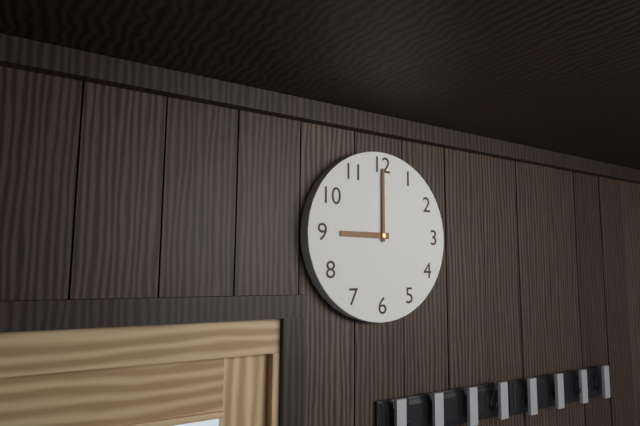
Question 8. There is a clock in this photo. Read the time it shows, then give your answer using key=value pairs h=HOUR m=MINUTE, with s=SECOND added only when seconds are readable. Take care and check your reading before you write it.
h=9 m=0
